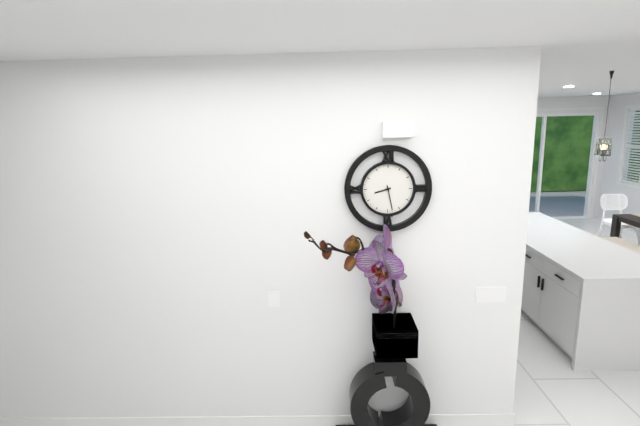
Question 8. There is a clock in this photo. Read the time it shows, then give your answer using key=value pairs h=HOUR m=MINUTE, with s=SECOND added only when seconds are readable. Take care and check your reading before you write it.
h=8 m=28
